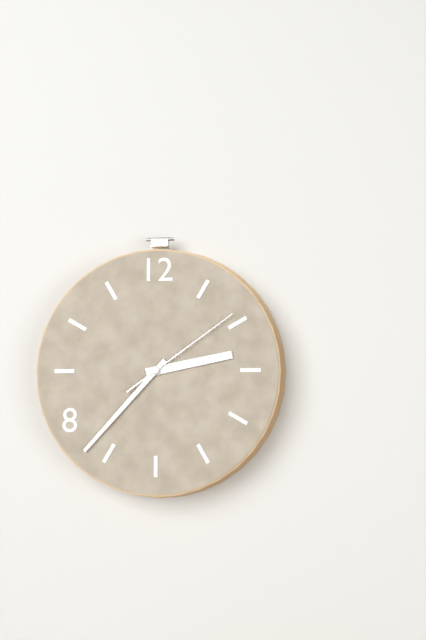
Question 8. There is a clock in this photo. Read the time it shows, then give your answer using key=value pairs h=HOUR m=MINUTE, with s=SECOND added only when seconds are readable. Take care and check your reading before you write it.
h=2 m=37 s=9
